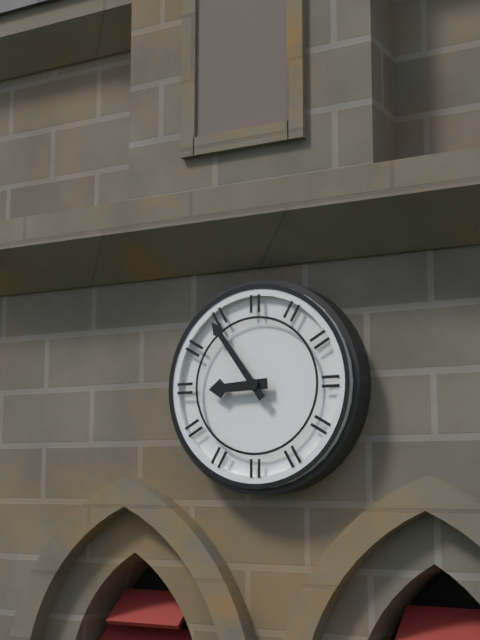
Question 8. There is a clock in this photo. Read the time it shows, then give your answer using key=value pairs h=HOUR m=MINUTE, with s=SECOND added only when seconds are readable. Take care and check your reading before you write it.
h=8 m=54
